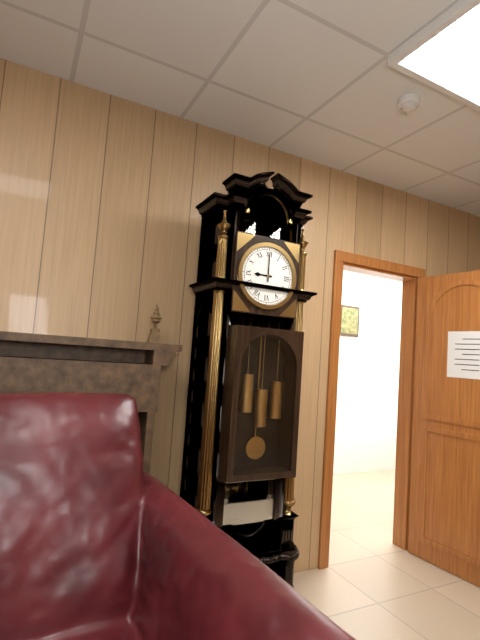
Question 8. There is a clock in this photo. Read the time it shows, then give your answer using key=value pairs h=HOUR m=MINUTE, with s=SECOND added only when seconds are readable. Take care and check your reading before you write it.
h=9 m=0
